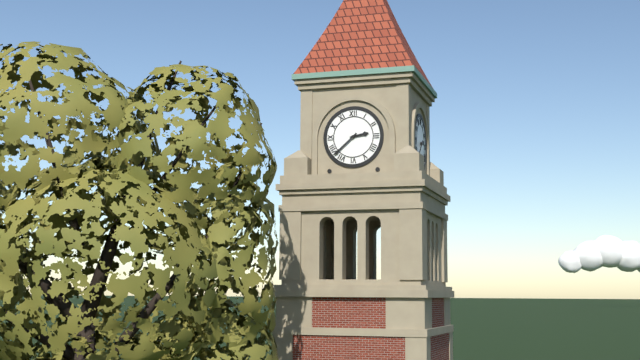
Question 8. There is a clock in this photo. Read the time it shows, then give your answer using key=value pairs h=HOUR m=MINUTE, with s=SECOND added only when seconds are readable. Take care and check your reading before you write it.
h=2 m=38
